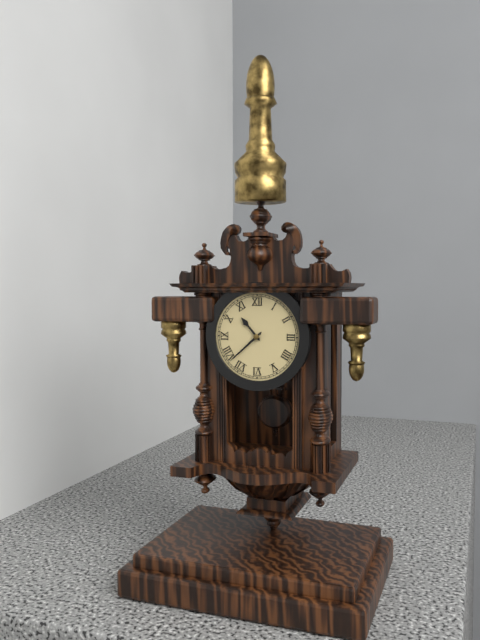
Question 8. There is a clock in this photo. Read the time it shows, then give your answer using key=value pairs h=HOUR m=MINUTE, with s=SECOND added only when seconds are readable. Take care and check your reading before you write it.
h=10 m=38
